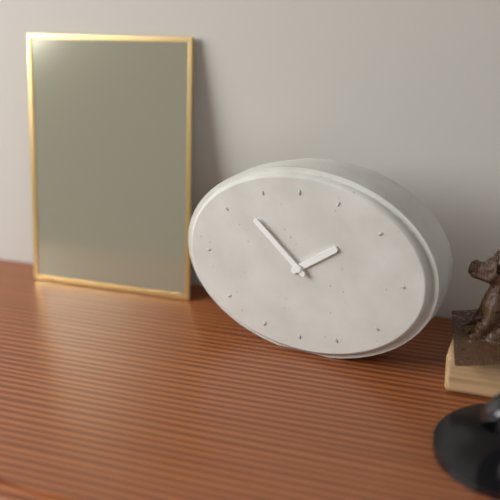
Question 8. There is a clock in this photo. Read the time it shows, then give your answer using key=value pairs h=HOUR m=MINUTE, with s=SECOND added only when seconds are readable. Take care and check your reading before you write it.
h=1 m=52
